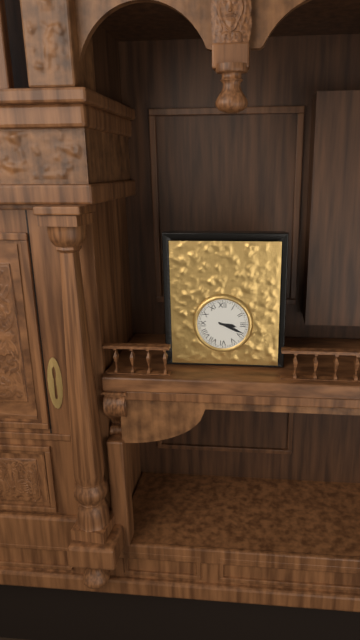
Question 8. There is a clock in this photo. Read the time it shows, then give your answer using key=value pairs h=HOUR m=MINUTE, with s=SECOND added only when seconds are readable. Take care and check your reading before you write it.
h=3 m=19
